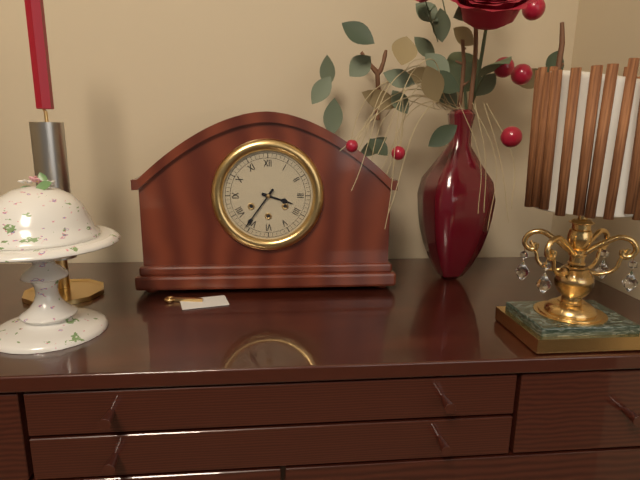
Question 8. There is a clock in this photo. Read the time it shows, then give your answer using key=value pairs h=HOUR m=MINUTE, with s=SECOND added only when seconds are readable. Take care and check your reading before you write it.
h=3 m=36
